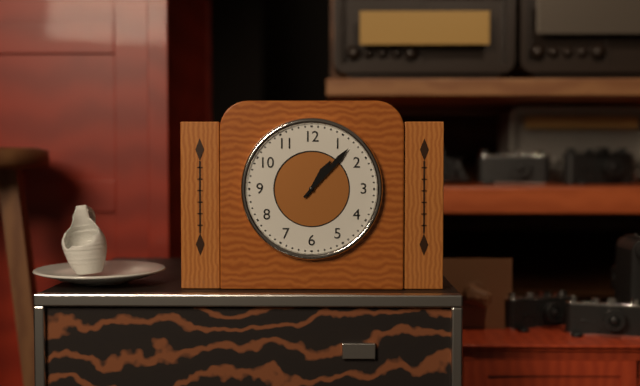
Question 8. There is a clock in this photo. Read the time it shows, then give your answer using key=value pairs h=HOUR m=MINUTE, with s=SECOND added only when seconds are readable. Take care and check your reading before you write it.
h=1 m=7
